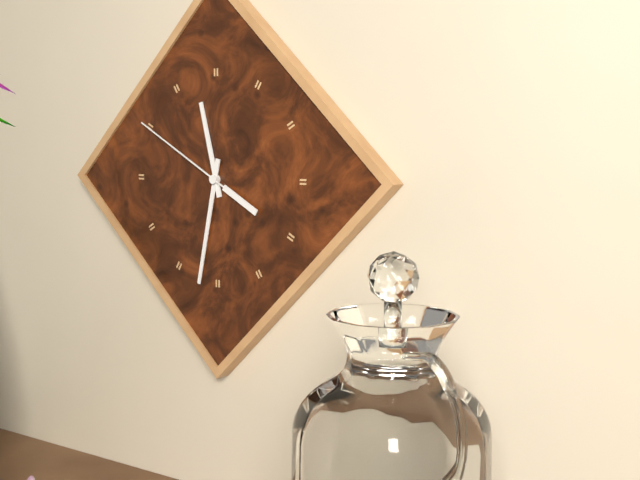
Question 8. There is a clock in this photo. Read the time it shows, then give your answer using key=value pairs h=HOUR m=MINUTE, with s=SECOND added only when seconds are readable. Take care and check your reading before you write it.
h=11 m=32 s=50
